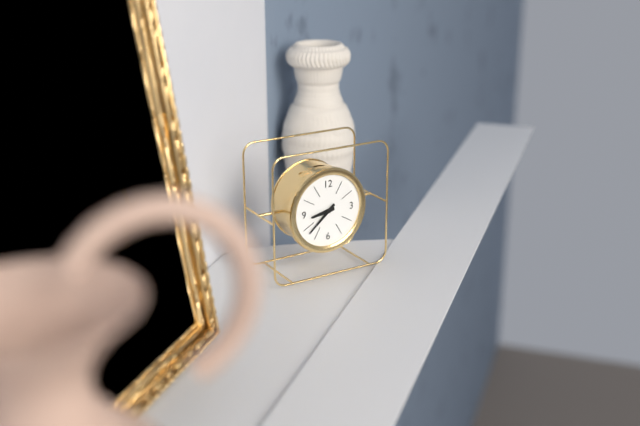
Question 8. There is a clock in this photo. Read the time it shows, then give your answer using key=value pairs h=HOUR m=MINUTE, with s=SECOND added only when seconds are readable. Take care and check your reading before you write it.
h=8 m=38
